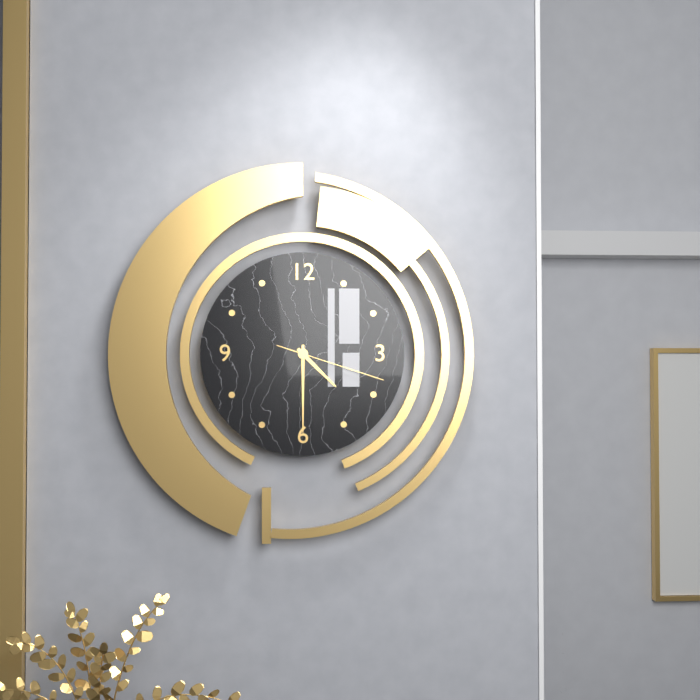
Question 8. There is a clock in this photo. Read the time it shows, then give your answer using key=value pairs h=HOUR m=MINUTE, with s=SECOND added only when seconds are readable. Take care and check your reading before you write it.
h=4 m=30 s=18
